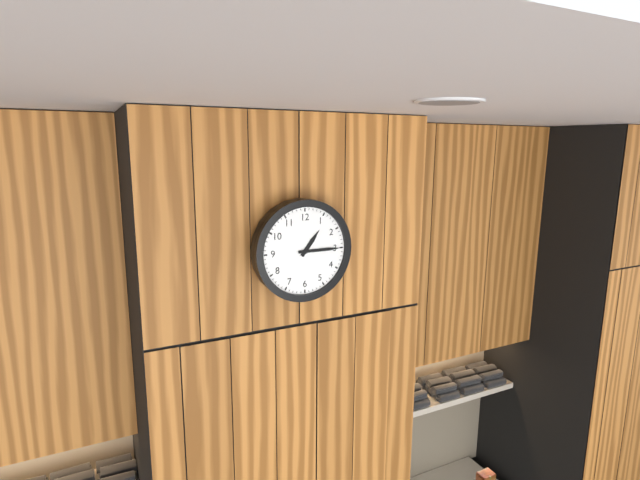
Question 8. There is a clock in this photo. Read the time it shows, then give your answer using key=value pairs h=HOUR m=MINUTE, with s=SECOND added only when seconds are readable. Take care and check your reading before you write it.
h=1 m=15
